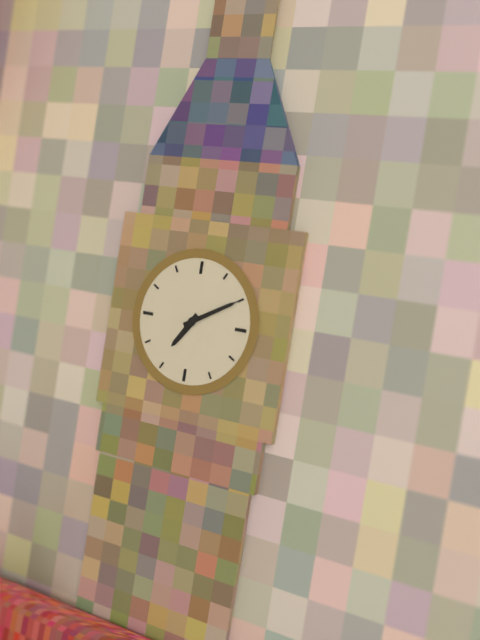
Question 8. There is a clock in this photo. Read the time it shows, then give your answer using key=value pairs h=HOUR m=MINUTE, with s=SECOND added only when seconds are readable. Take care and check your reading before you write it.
h=7 m=10
